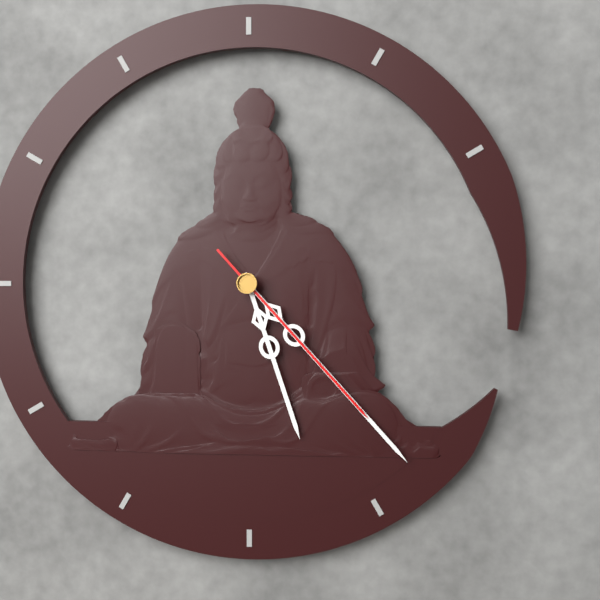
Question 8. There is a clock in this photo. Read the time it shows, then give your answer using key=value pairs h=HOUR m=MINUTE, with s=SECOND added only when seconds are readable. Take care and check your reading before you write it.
h=5 m=23 s=23
